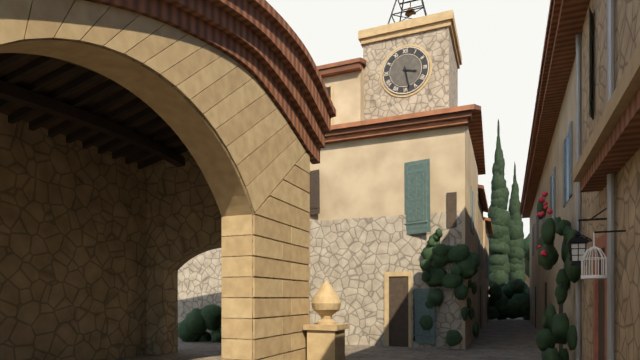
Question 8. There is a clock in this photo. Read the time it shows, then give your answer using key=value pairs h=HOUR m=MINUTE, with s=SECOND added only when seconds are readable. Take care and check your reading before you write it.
h=3 m=28
